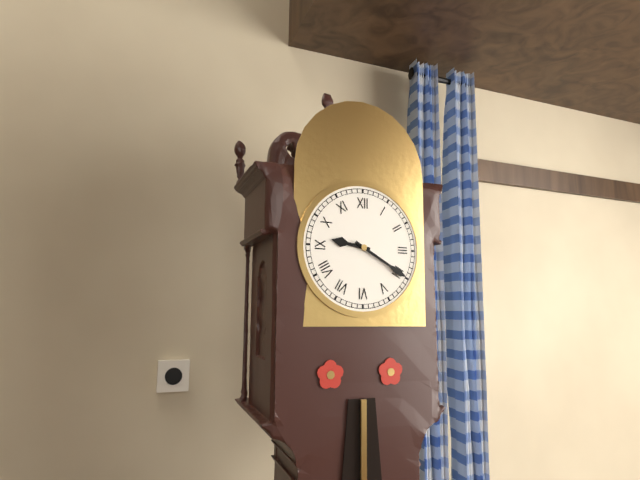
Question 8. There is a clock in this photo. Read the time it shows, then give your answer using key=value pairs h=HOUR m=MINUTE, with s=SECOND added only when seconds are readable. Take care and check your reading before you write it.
h=9 m=20
